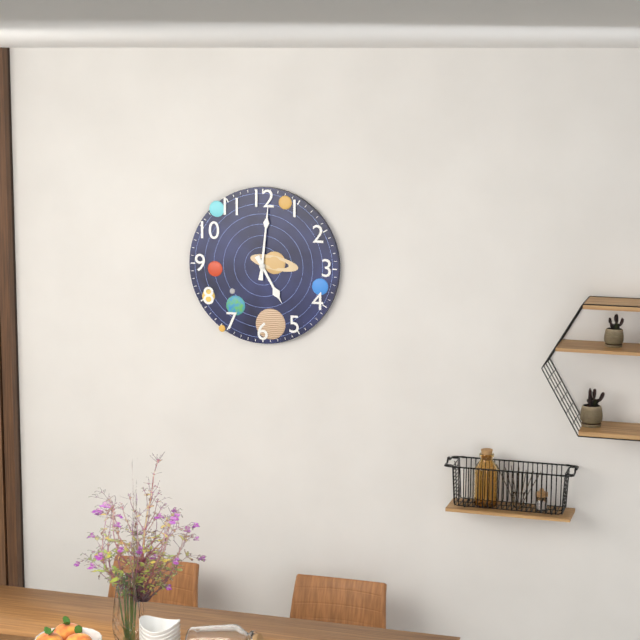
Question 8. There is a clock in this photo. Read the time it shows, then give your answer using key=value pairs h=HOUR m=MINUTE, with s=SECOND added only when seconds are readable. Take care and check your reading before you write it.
h=5 m=1
